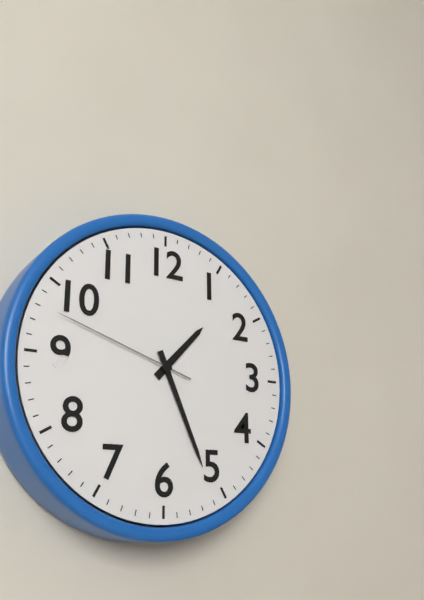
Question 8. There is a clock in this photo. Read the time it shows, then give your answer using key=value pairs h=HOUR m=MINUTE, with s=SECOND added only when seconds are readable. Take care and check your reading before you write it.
h=1 m=26 s=48
